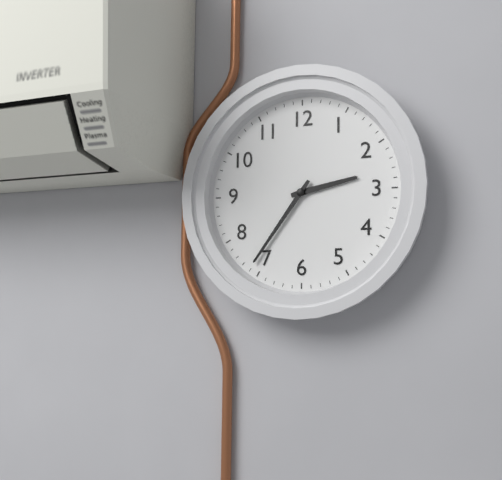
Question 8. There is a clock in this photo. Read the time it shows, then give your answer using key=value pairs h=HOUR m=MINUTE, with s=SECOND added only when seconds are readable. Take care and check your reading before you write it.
h=2 m=36
